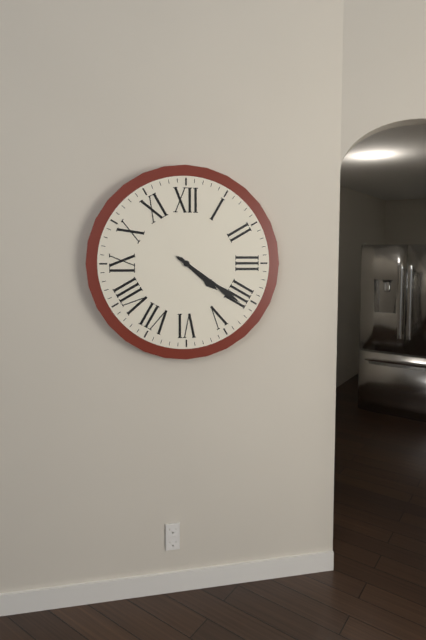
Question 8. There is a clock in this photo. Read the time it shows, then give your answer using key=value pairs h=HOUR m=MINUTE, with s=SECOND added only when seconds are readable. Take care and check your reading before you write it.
h=4 m=21
